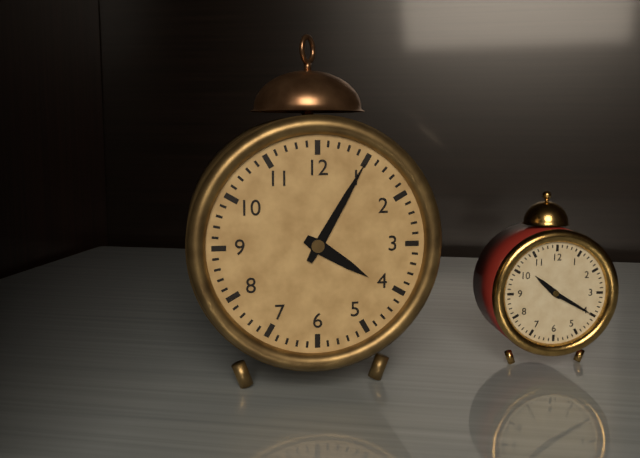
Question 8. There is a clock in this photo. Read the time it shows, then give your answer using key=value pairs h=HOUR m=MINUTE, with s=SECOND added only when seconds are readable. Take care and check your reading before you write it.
h=4 m=5
